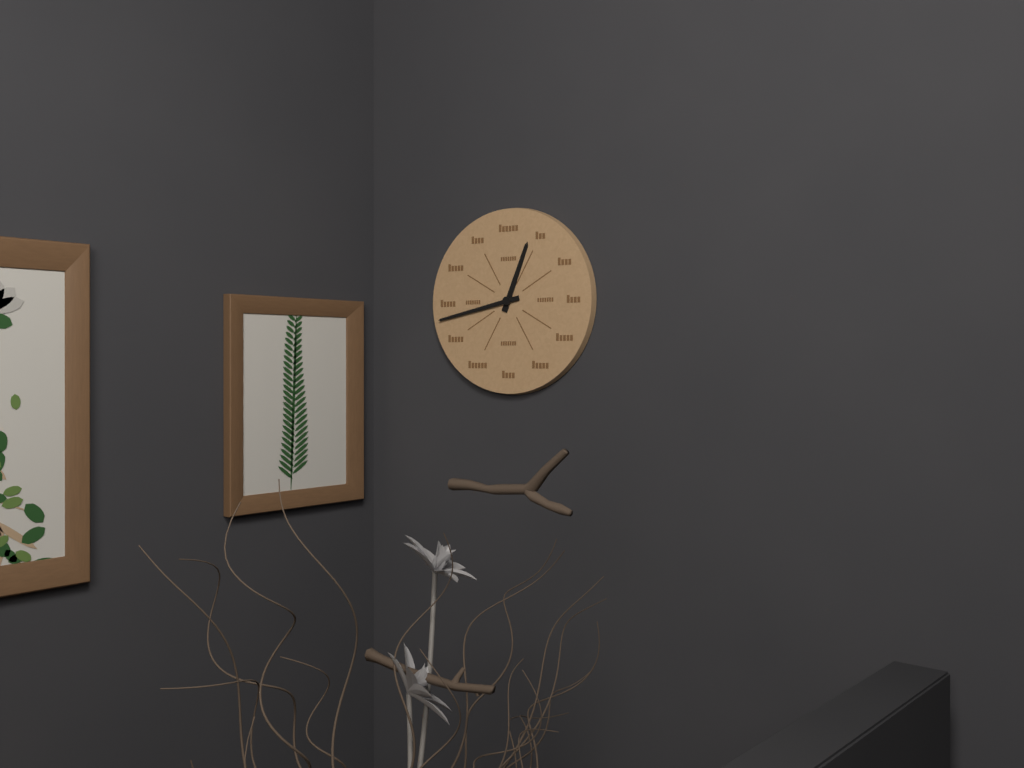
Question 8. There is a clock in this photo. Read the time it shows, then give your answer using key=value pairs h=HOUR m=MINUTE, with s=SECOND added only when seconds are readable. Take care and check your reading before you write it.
h=12 m=43
